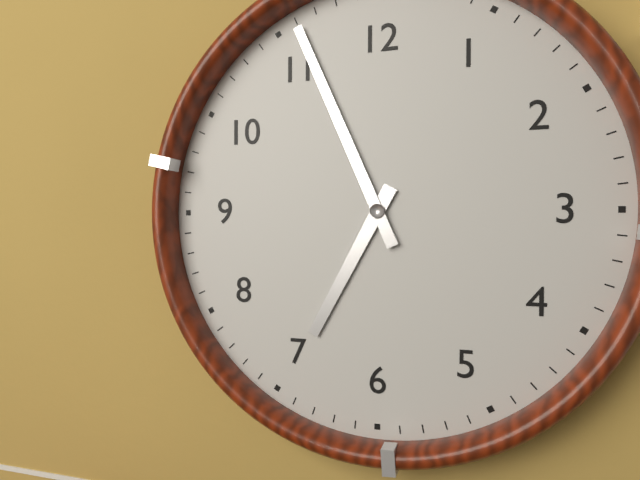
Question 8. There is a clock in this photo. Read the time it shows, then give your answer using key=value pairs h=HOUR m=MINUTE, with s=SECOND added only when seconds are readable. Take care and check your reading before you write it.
h=6 m=56
